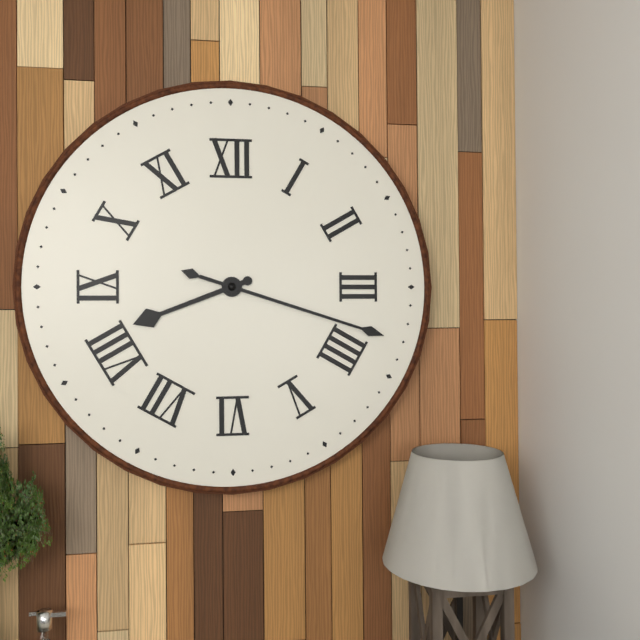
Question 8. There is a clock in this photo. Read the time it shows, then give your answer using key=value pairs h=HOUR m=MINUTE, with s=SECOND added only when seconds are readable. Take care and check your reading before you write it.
h=8 m=18
